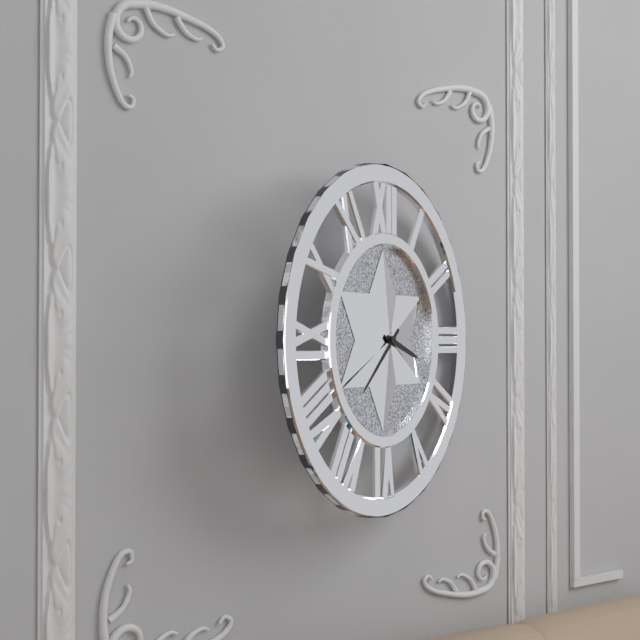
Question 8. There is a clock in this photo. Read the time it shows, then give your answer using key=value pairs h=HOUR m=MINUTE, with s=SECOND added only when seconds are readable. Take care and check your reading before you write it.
h=3 m=38
